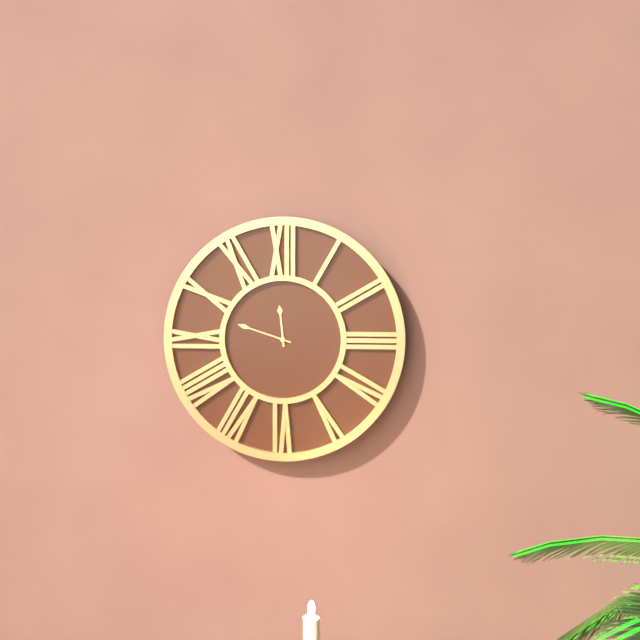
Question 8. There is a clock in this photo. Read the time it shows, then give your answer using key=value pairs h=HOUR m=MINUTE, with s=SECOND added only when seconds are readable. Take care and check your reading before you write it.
h=11 m=48
